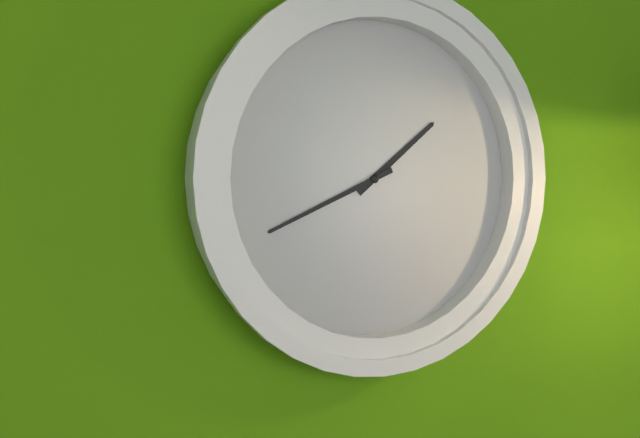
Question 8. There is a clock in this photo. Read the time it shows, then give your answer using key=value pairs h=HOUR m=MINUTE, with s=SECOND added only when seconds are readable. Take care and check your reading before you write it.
h=1 m=41
